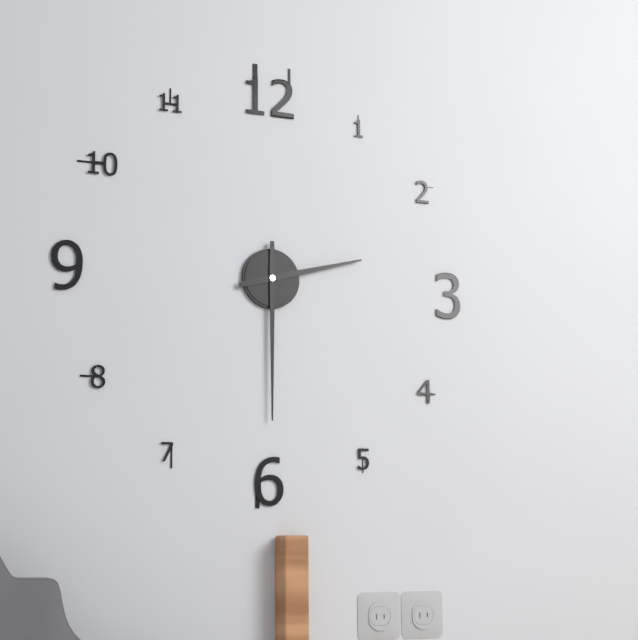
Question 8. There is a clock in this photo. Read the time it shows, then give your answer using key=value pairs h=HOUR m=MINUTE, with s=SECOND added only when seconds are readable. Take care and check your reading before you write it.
h=2 m=30
